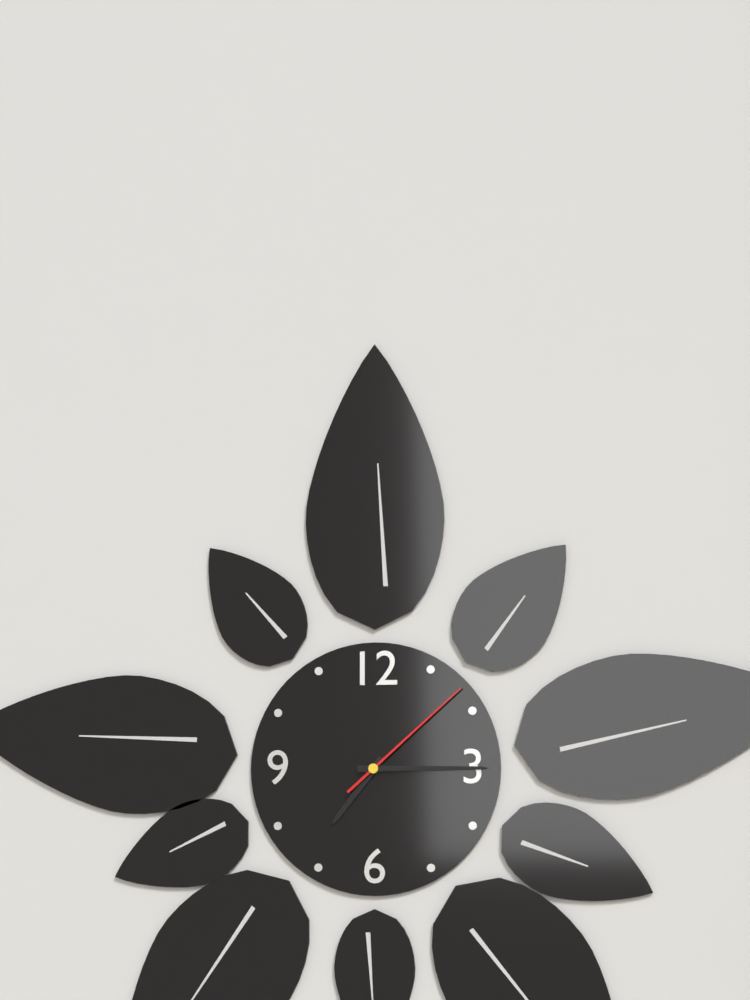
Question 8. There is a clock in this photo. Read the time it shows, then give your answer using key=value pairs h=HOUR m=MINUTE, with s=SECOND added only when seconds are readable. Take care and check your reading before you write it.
h=7 m=15 s=8
